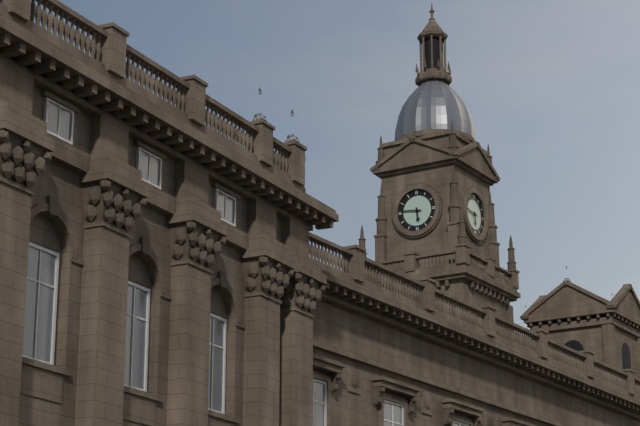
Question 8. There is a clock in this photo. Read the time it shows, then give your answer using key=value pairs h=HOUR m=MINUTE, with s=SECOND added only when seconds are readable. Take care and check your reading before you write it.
h=5 m=46
